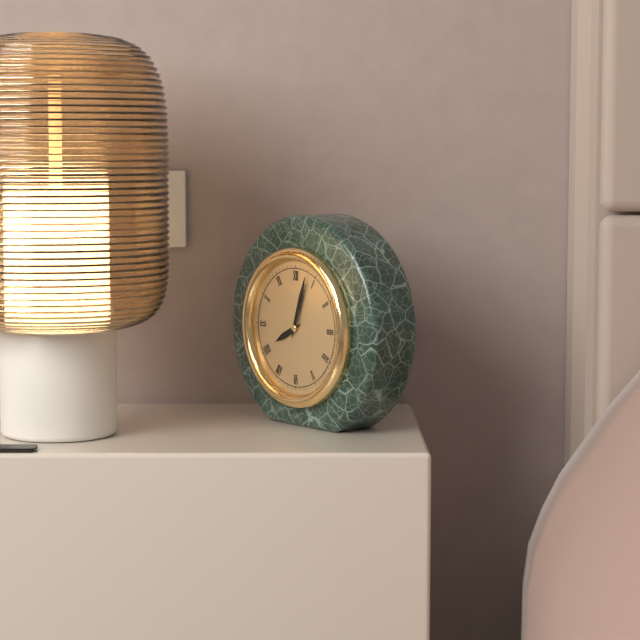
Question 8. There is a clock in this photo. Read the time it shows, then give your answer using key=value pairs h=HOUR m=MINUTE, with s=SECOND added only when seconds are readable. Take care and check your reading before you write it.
h=8 m=3
